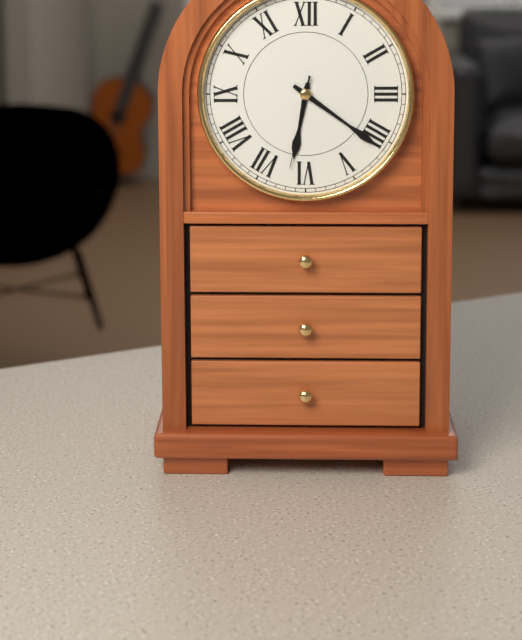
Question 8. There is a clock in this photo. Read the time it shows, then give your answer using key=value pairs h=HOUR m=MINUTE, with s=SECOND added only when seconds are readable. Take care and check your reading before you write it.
h=6 m=21 s=32
